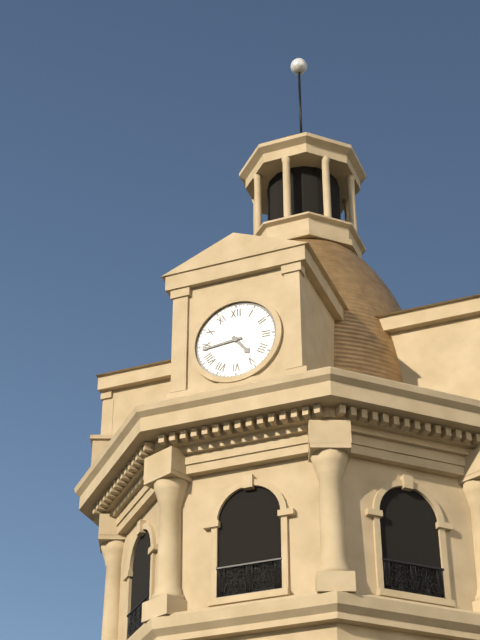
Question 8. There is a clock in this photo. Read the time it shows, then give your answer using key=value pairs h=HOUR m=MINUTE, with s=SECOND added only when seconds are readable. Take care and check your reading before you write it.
h=4 m=44
